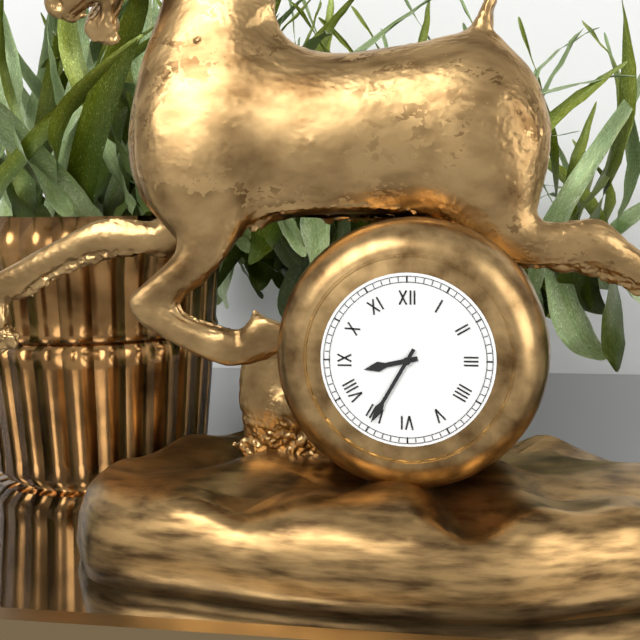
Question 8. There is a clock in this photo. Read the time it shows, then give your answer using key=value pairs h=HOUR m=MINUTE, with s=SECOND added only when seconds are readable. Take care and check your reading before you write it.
h=8 m=35
